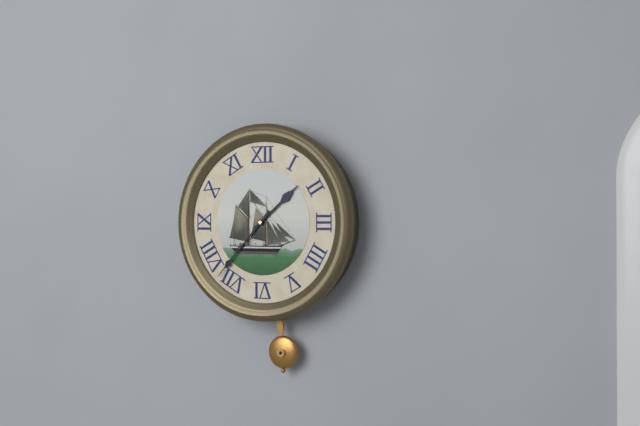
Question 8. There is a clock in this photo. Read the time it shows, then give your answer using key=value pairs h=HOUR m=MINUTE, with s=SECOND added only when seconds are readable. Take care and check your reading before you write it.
h=1 m=37
